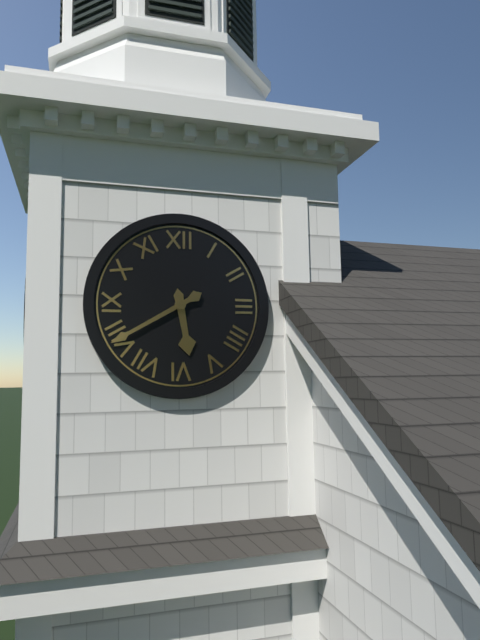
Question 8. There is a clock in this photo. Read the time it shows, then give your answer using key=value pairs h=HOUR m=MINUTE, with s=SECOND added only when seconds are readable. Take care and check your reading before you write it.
h=5 m=40
